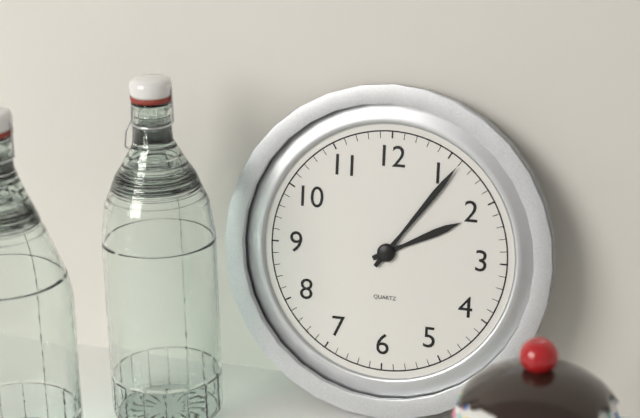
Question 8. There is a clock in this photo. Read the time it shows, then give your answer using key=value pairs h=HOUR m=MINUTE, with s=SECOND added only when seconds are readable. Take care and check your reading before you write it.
h=2 m=6
